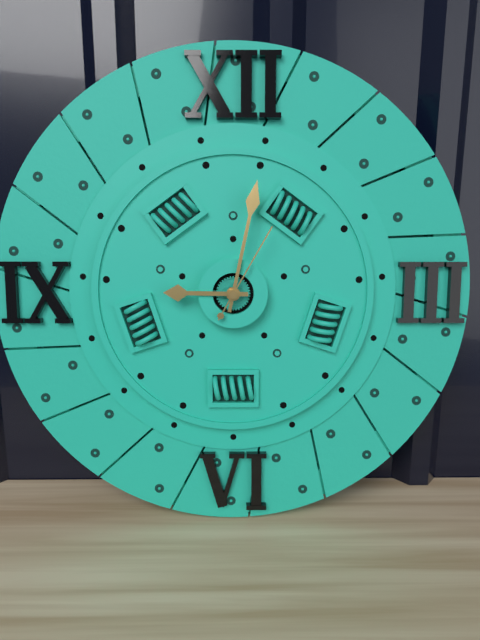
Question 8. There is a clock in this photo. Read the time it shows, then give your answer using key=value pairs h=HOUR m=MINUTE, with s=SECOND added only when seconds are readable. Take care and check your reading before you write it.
h=9 m=2 s=5
